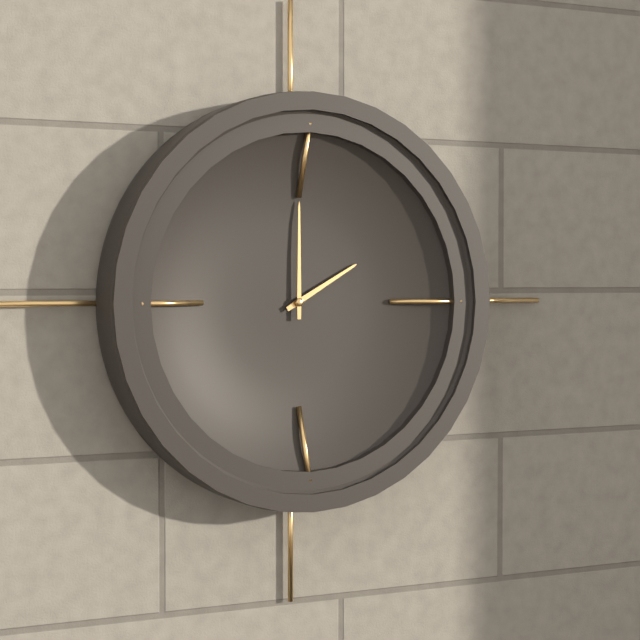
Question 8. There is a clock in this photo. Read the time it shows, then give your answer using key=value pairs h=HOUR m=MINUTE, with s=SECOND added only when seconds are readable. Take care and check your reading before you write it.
h=2 m=0
